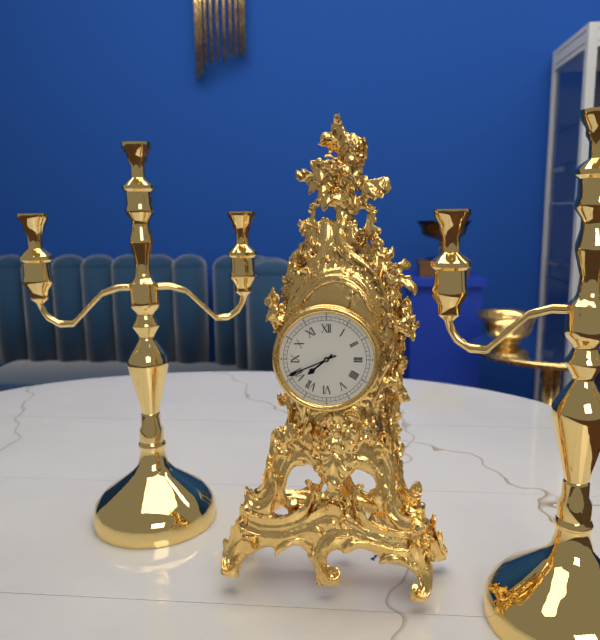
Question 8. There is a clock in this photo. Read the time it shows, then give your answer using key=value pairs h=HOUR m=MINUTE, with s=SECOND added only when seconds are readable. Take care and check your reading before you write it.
h=7 m=41
